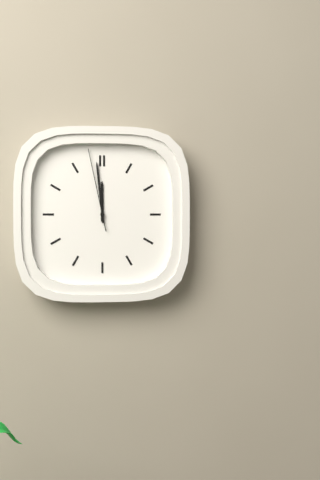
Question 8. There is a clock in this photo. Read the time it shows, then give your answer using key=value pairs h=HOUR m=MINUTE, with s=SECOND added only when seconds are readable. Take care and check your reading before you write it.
h=11 m=59 s=58
